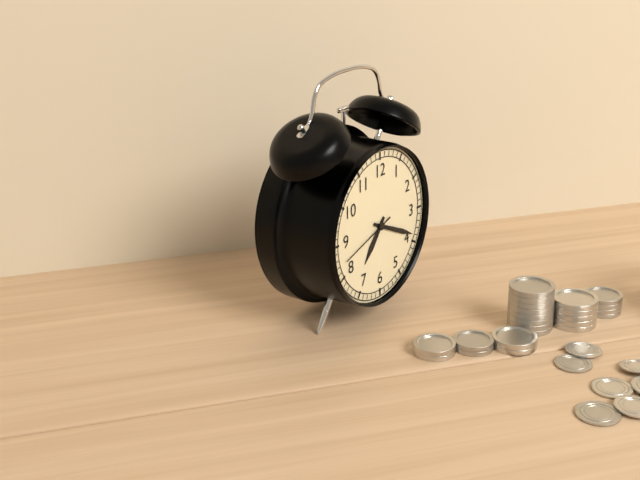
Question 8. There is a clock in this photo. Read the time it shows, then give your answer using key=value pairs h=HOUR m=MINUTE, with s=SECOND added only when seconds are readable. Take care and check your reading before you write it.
h=7 m=19 s=42
